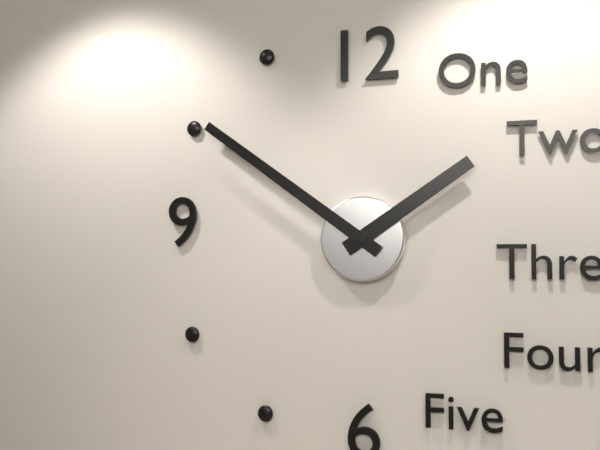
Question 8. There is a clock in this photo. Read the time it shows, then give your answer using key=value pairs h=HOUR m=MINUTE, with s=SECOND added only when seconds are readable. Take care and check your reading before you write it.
h=1 m=51
